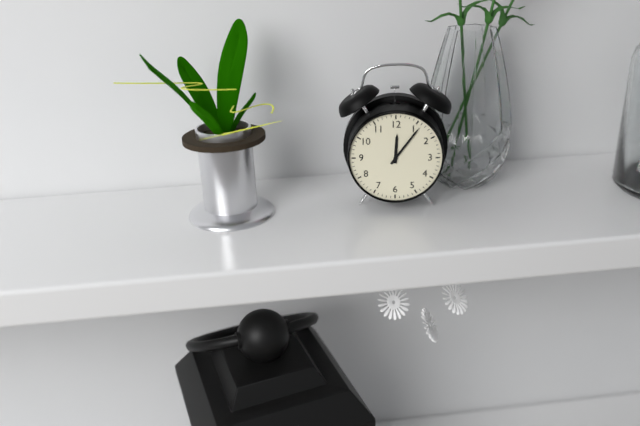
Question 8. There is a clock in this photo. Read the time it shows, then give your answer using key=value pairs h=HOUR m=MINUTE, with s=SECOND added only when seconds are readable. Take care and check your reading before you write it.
h=12 m=6
